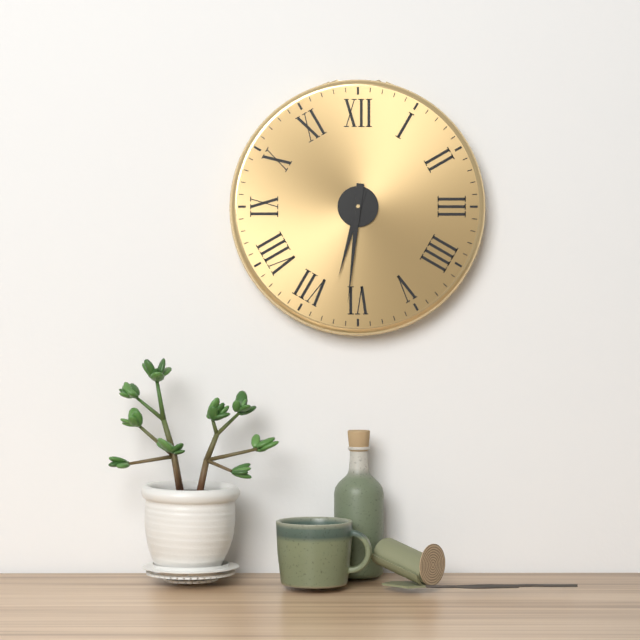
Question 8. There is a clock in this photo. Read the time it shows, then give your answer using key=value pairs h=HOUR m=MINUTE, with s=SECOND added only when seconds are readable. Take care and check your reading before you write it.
h=6 m=31
